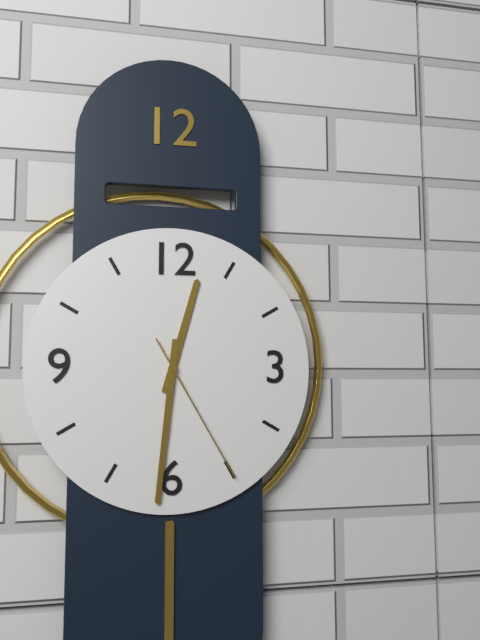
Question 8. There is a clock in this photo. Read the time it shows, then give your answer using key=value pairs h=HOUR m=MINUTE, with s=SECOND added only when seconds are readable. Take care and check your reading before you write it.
h=12 m=31 s=25
